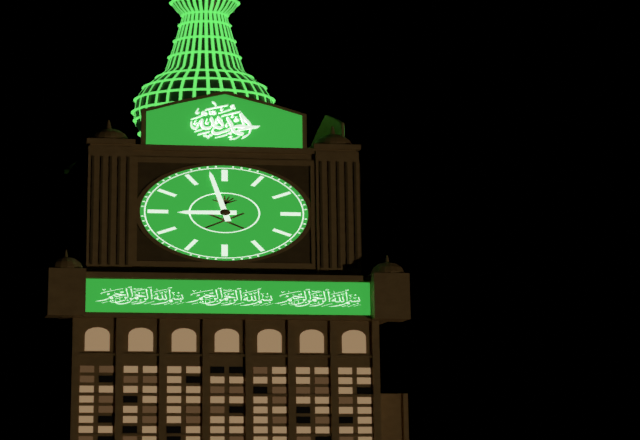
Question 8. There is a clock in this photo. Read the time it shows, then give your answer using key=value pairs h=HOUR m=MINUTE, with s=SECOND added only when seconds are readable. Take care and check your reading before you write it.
h=8 m=58
